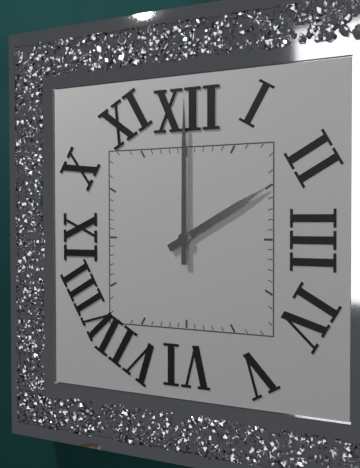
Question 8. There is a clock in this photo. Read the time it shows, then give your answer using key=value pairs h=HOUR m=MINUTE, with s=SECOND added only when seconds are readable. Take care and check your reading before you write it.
h=2 m=0
